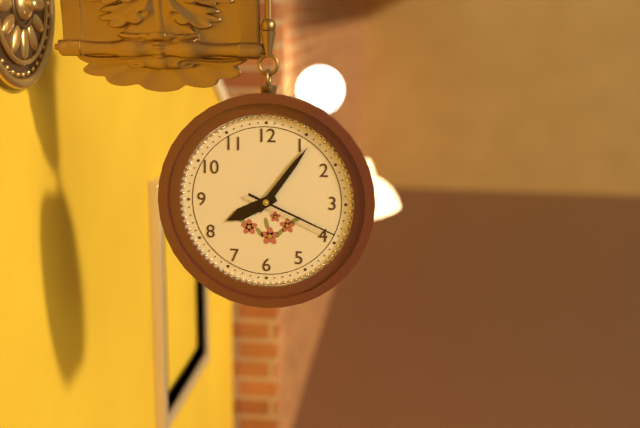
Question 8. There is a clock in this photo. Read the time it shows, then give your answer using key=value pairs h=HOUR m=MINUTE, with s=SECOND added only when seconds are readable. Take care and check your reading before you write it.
h=8 m=6 s=19
